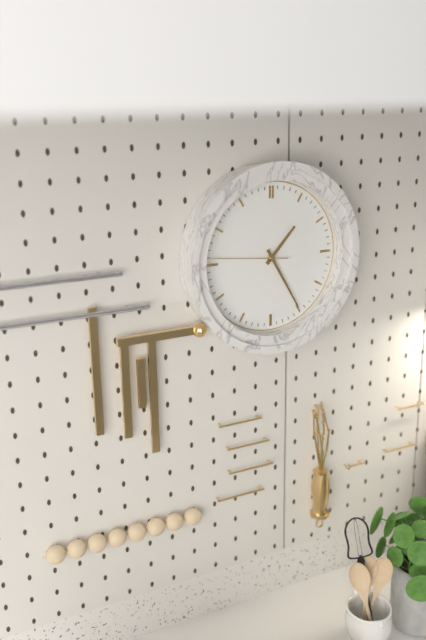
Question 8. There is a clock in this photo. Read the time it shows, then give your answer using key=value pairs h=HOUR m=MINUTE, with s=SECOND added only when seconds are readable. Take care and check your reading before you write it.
h=1 m=25 s=46
